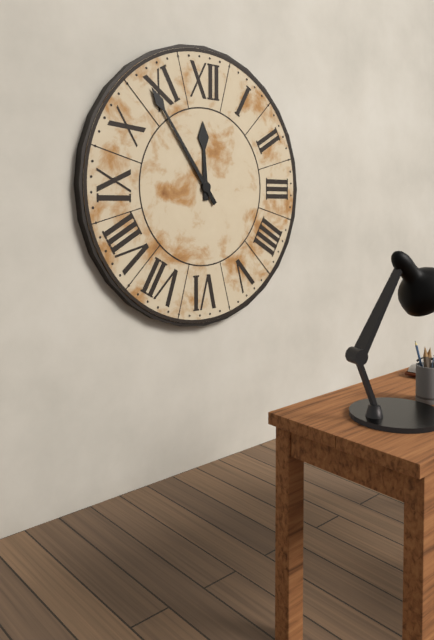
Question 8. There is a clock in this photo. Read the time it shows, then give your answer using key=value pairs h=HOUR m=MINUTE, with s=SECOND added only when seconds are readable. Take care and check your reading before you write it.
h=11 m=54
